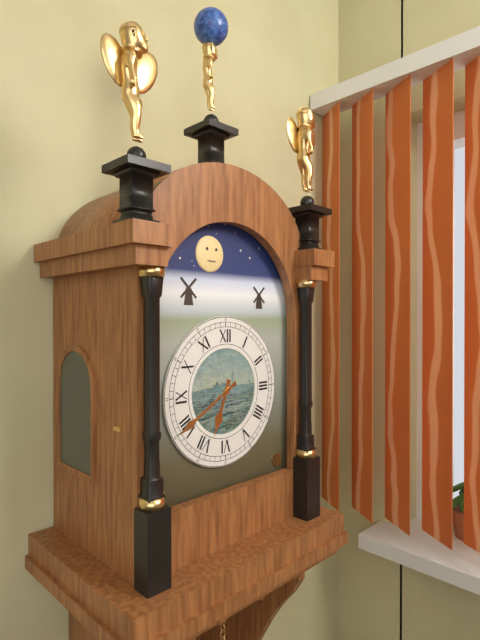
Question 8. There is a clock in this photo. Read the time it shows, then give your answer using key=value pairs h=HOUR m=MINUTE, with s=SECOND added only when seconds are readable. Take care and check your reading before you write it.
h=6 m=40
